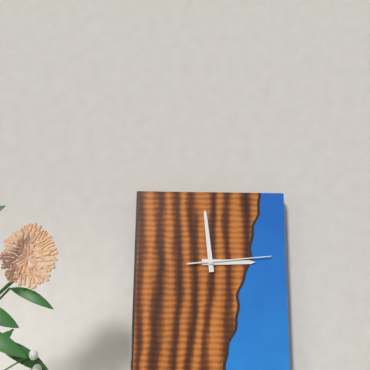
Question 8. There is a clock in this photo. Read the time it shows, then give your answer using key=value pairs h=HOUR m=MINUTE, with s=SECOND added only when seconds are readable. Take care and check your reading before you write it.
h=2 m=59 s=14
